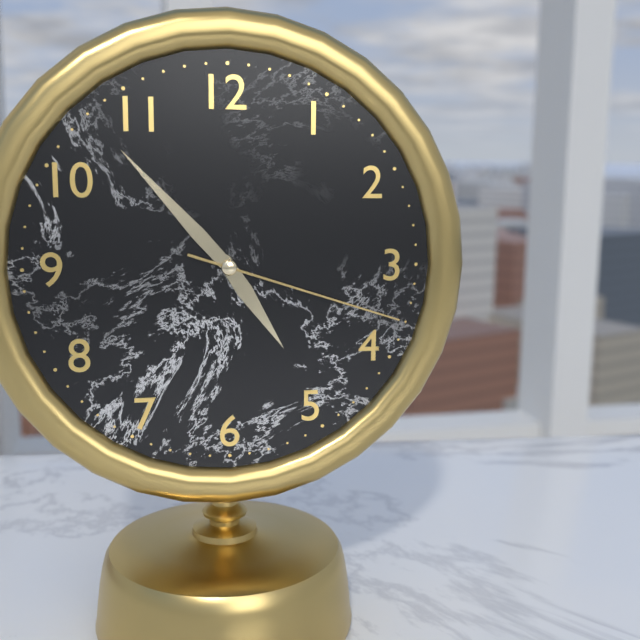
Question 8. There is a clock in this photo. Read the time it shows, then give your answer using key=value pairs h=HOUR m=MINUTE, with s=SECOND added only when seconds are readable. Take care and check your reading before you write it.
h=4 m=53 s=18
